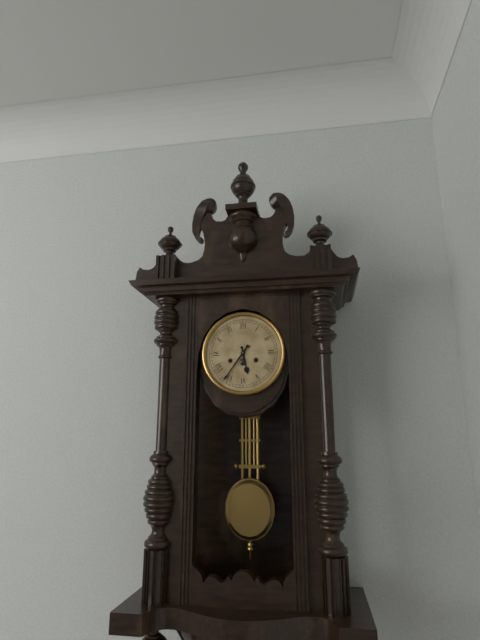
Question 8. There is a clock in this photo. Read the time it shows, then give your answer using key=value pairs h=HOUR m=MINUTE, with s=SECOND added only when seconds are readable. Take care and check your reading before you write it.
h=5 m=36
